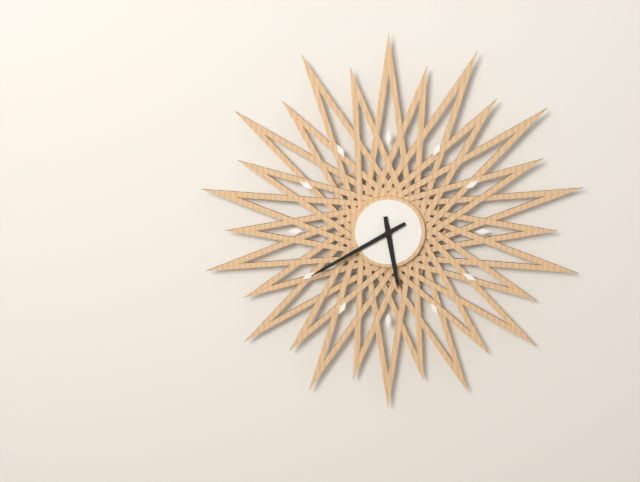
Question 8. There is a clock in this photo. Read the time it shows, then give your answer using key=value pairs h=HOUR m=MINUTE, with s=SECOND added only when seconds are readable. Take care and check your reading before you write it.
h=5 m=40
